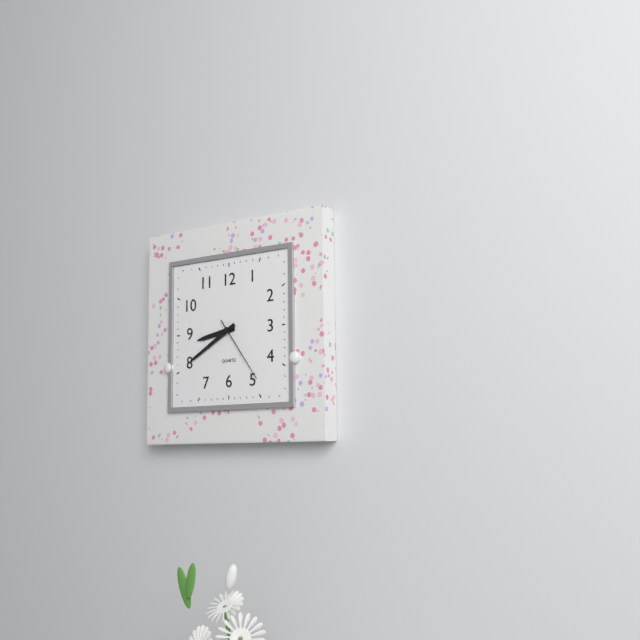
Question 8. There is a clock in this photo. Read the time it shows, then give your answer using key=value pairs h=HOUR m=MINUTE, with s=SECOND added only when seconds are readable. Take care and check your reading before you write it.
h=8 m=40 s=24
